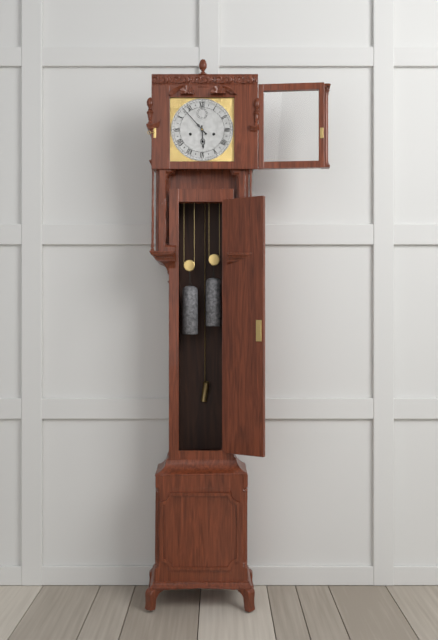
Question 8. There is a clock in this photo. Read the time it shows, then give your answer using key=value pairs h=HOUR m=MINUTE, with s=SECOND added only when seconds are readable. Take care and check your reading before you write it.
h=5 m=53
